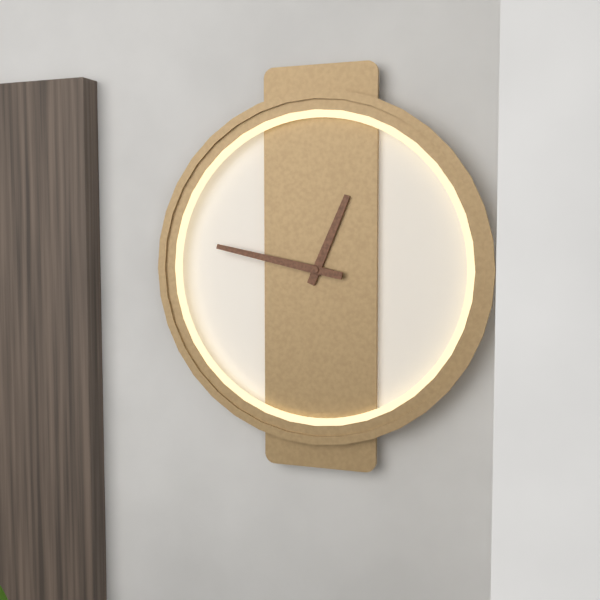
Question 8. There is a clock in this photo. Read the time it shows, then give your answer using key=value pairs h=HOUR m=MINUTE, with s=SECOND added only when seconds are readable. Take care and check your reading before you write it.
h=12 m=47
